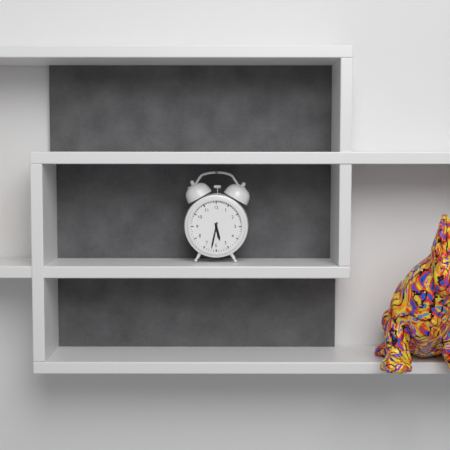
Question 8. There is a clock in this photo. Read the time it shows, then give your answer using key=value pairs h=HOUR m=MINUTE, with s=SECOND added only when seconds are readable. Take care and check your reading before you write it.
h=5 m=32
